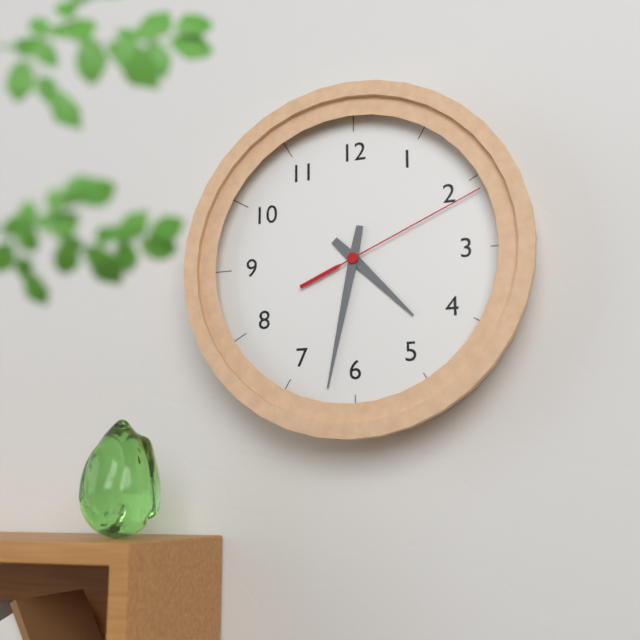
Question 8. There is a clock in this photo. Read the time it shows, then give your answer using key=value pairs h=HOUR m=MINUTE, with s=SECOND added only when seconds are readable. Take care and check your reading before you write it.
h=4 m=32 s=11
